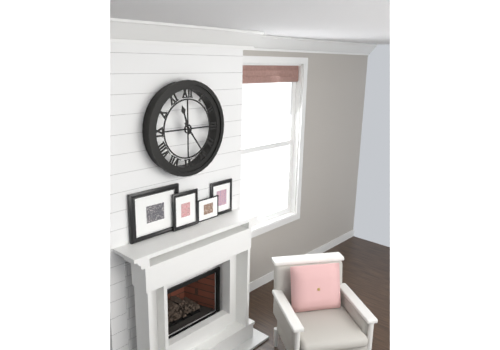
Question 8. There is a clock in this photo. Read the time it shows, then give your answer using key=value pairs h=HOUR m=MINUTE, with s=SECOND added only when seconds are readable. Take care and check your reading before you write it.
h=11 m=24
